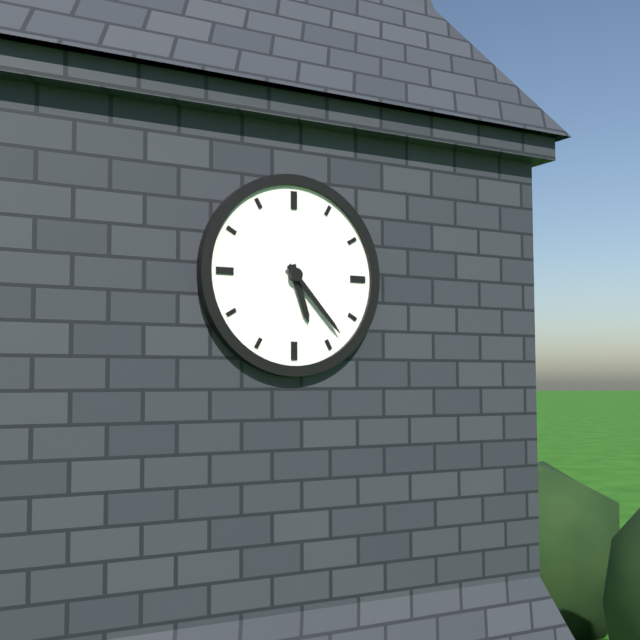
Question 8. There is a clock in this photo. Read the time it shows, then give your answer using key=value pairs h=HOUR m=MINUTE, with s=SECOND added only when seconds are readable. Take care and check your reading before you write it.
h=5 m=23
